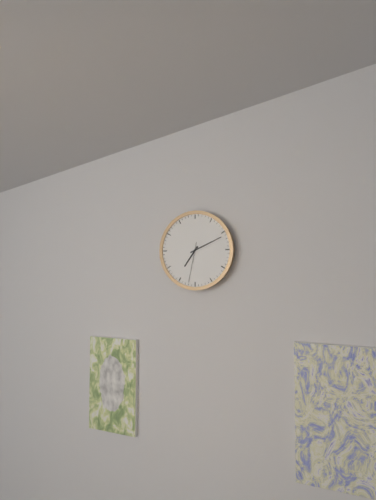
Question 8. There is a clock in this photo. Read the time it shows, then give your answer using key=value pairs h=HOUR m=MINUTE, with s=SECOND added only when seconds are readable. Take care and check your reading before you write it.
h=7 m=11
